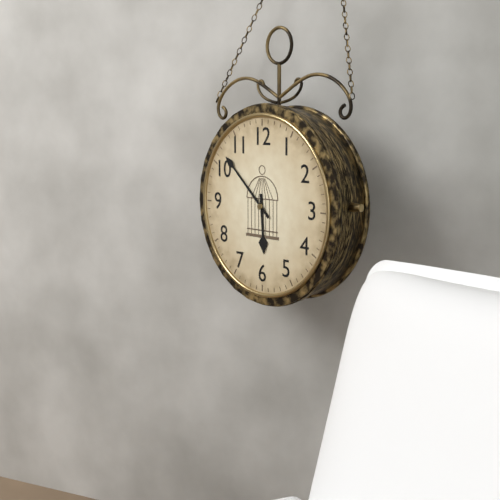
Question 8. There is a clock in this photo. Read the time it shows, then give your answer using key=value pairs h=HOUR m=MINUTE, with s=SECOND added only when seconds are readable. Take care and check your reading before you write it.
h=5 m=52
